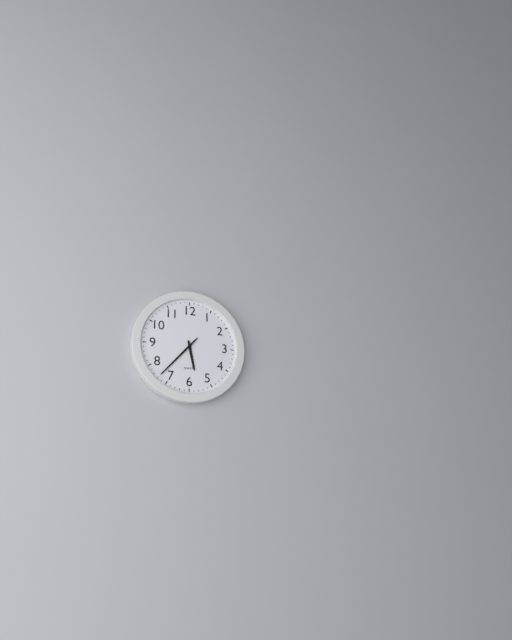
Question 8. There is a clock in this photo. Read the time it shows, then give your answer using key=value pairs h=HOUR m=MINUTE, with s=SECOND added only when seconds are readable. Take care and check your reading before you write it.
h=5 m=37
